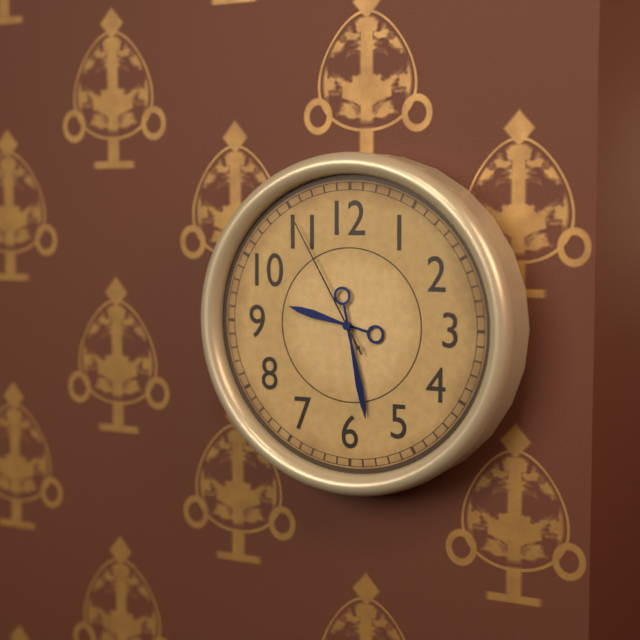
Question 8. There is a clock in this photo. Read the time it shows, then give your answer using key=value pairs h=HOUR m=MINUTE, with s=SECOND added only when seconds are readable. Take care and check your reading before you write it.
h=9 m=28 s=55
